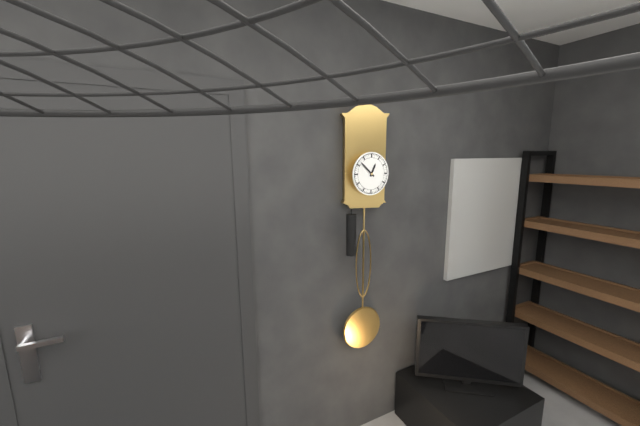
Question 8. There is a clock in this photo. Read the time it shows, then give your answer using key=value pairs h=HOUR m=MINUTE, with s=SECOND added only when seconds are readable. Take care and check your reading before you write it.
h=12 m=52
